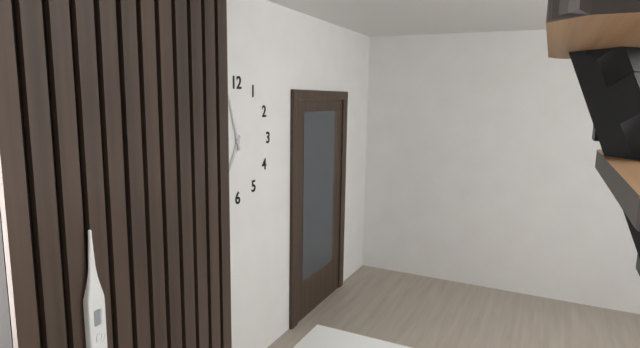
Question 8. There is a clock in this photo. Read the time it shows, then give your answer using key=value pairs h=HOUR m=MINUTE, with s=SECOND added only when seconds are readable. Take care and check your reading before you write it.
h=6 m=57
